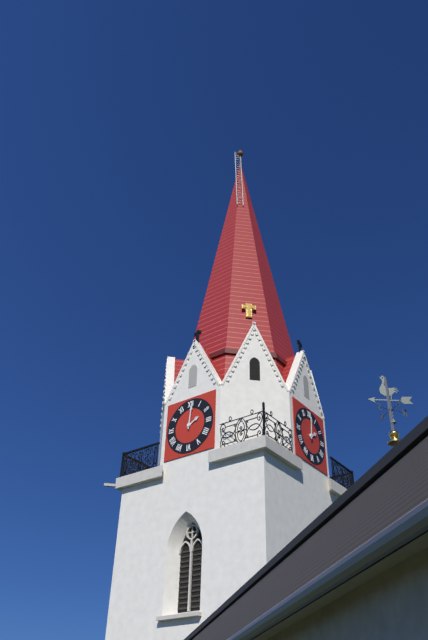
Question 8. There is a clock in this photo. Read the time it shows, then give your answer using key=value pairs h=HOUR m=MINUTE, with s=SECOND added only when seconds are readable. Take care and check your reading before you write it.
h=2 m=1
